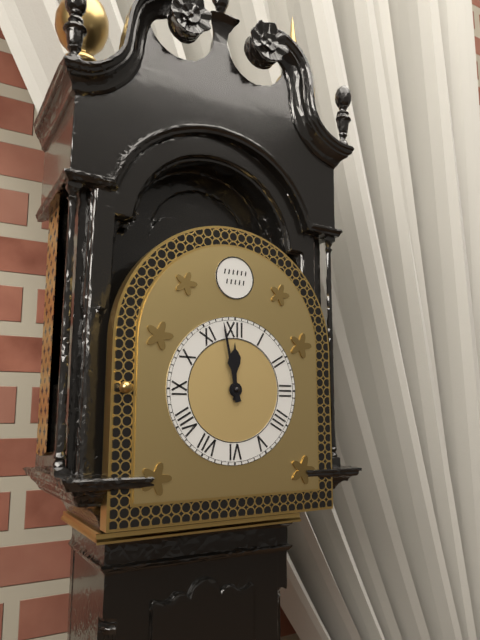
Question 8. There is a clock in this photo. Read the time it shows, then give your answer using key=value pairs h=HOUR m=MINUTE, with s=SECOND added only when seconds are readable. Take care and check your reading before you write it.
h=11 m=58
